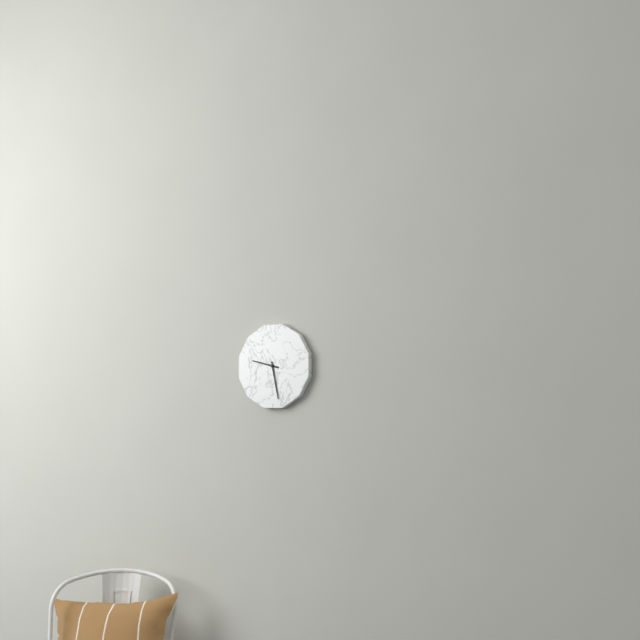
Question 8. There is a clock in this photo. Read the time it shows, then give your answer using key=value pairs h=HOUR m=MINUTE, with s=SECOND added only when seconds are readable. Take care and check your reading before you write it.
h=9 m=28
